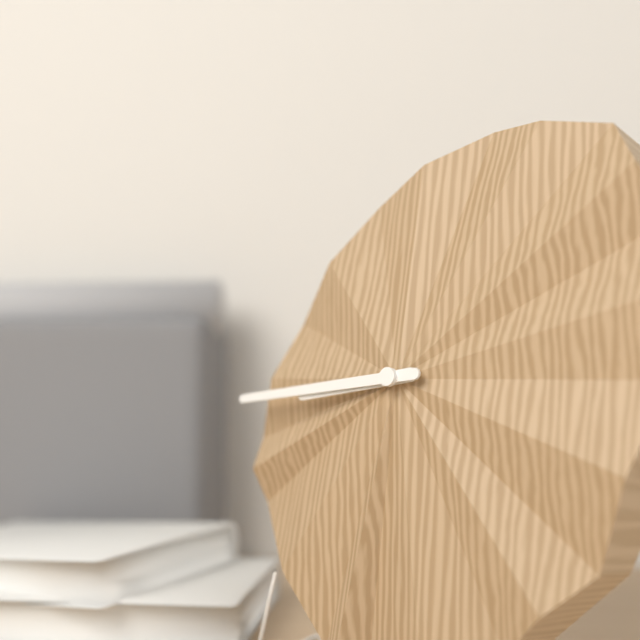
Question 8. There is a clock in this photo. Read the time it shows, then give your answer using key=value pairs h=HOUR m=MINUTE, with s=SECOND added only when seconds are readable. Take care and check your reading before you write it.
h=8 m=44
